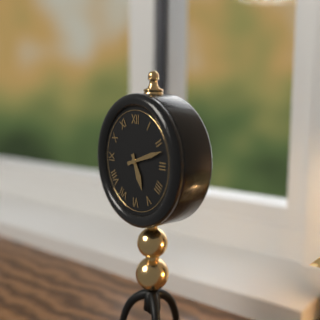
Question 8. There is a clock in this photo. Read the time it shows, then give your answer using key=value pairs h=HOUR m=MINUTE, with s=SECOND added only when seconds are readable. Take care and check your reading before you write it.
h=5 m=12
